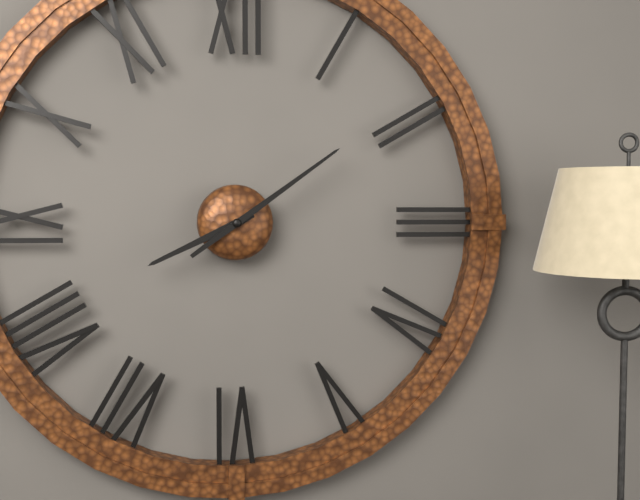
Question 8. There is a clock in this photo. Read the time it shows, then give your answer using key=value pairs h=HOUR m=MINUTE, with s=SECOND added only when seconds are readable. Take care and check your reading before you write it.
h=8 m=9
